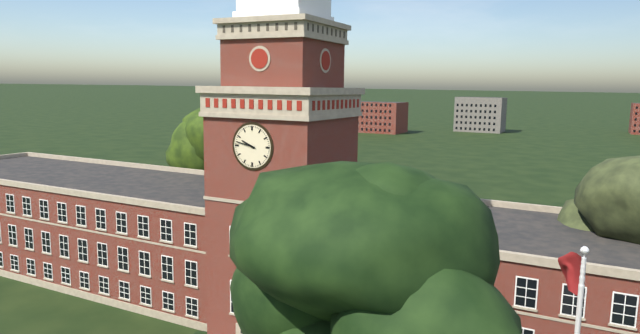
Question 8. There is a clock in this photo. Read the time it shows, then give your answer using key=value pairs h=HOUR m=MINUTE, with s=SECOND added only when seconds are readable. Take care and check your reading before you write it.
h=9 m=47
